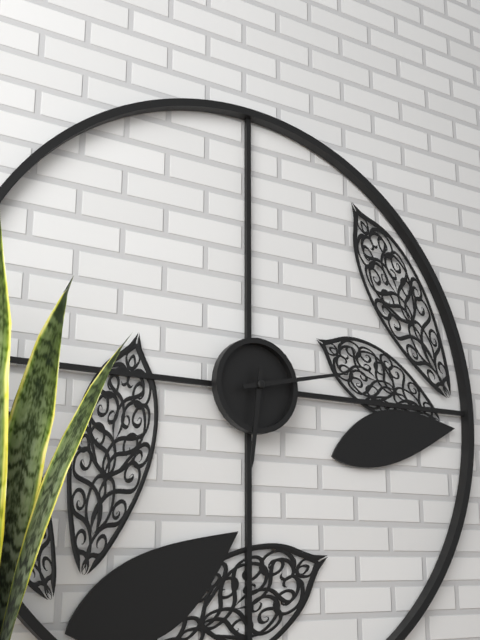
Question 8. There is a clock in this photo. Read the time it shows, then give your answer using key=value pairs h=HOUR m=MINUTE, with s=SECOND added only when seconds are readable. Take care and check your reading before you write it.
h=6 m=13
